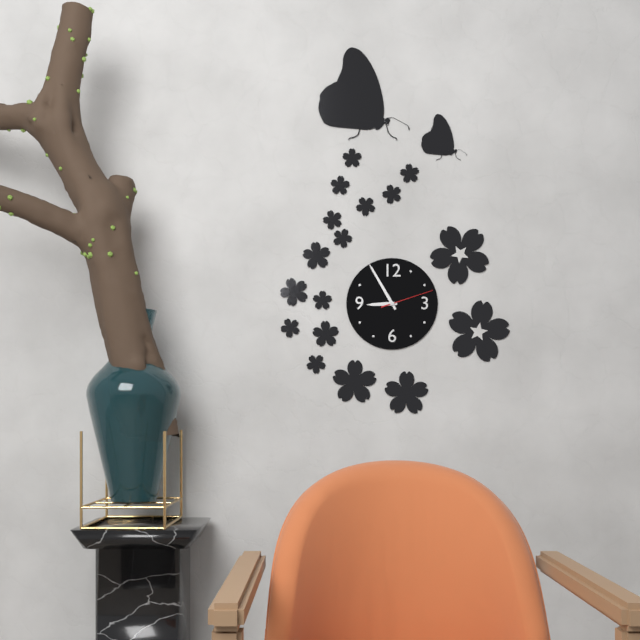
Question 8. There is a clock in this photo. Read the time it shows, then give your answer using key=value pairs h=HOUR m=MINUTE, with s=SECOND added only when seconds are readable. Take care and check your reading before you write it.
h=8 m=55 s=12
